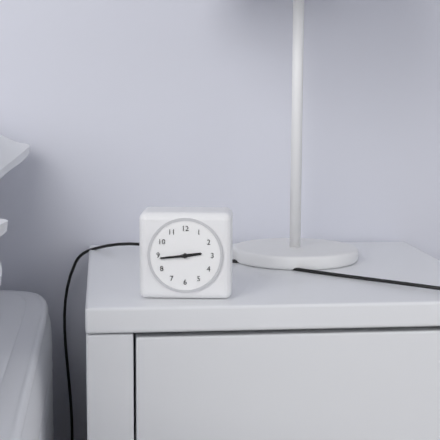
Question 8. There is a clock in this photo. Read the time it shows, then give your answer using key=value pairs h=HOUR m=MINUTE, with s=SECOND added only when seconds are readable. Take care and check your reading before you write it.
h=2 m=44
